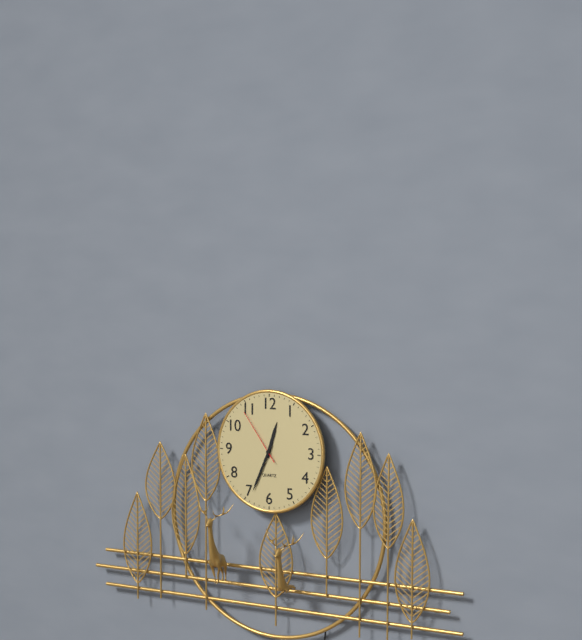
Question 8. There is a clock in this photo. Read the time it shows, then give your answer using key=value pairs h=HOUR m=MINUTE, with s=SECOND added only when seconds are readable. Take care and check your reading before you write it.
h=12 m=34 s=54
